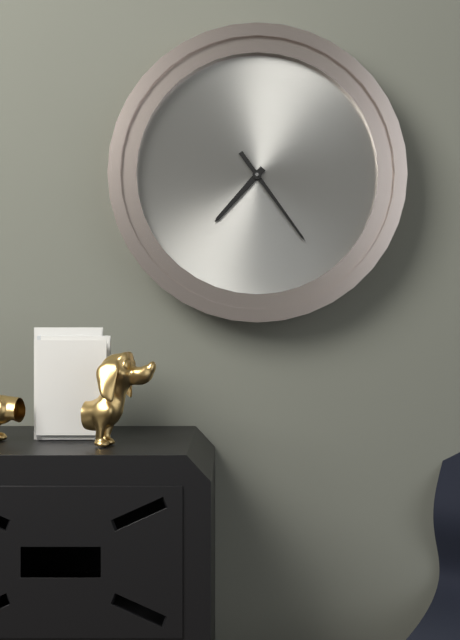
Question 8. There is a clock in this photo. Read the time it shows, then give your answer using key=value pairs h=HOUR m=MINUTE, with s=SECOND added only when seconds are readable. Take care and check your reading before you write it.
h=7 m=24
